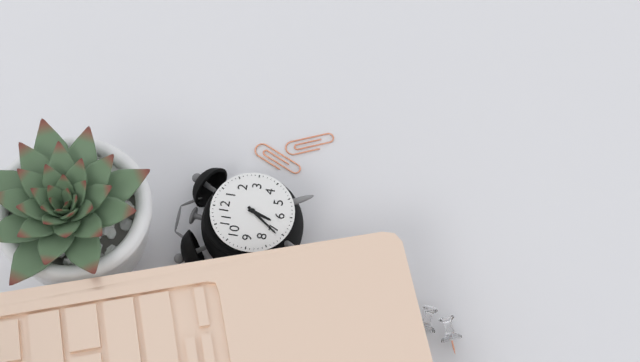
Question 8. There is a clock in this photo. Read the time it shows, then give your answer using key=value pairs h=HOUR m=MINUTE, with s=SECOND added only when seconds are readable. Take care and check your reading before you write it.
h=6 m=36
